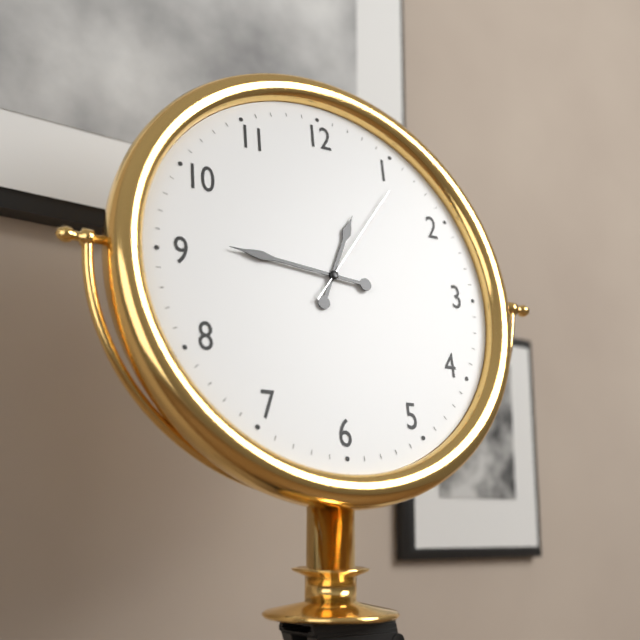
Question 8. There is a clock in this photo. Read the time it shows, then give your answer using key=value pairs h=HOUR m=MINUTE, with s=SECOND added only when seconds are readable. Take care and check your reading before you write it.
h=12 m=46 s=6
